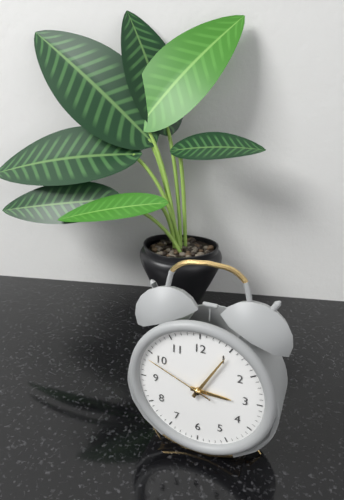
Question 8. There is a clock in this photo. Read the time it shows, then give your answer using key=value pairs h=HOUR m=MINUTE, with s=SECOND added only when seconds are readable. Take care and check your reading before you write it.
h=3 m=5 s=49
